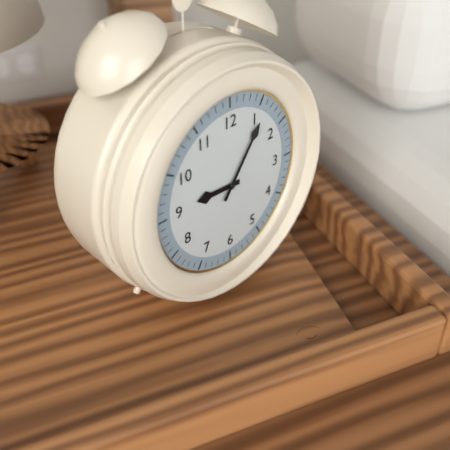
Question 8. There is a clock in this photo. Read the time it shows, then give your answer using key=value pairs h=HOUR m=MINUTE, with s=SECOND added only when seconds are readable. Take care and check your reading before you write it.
h=9 m=6
